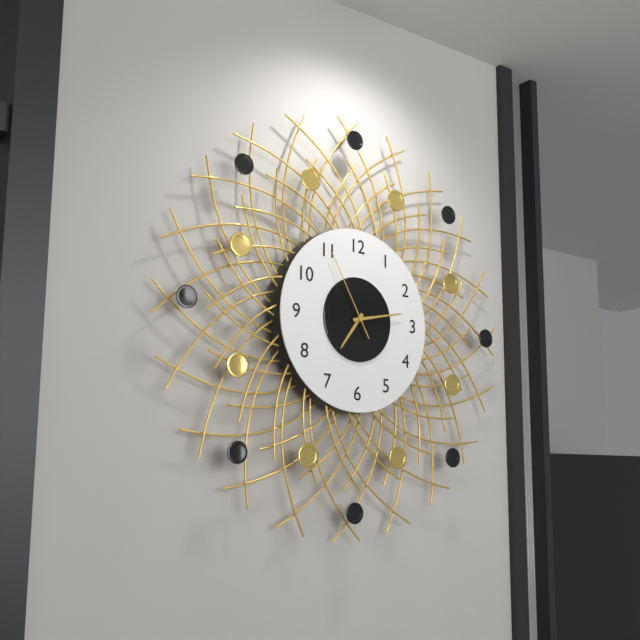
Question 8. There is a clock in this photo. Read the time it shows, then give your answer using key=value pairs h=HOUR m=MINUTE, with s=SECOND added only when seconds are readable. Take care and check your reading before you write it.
h=7 m=13 s=55
